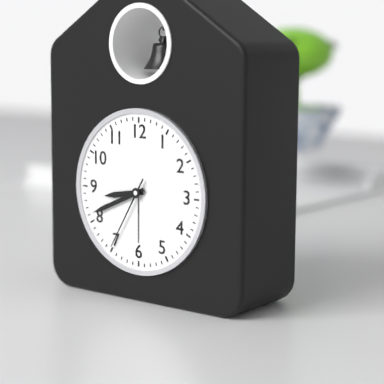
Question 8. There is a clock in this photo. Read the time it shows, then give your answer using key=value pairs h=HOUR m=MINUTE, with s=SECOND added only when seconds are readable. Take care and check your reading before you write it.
h=8 m=41 s=35
